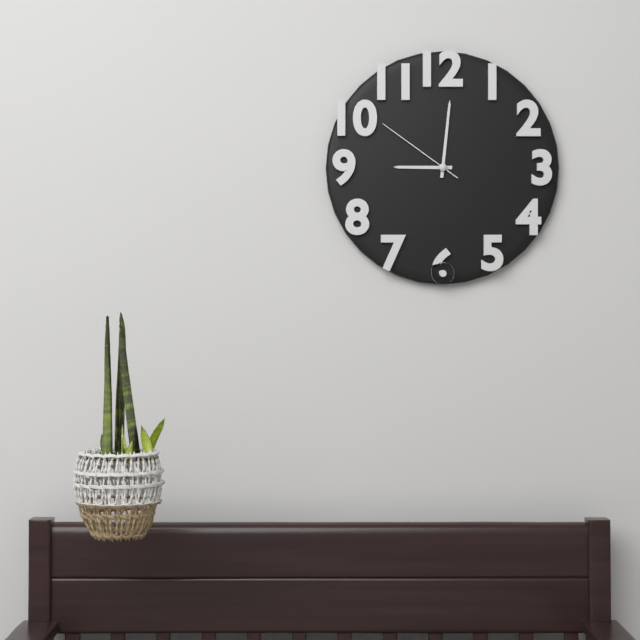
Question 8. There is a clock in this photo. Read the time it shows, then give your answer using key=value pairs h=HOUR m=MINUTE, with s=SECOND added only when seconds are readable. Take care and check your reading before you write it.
h=9 m=1 s=51
